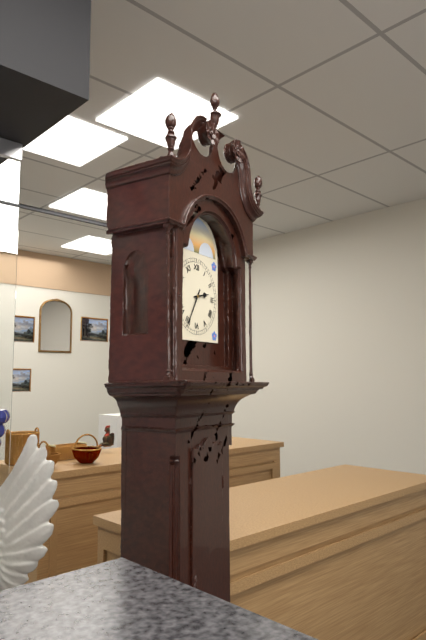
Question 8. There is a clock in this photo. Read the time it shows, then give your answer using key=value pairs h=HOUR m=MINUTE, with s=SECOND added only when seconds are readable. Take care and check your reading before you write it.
h=2 m=35
